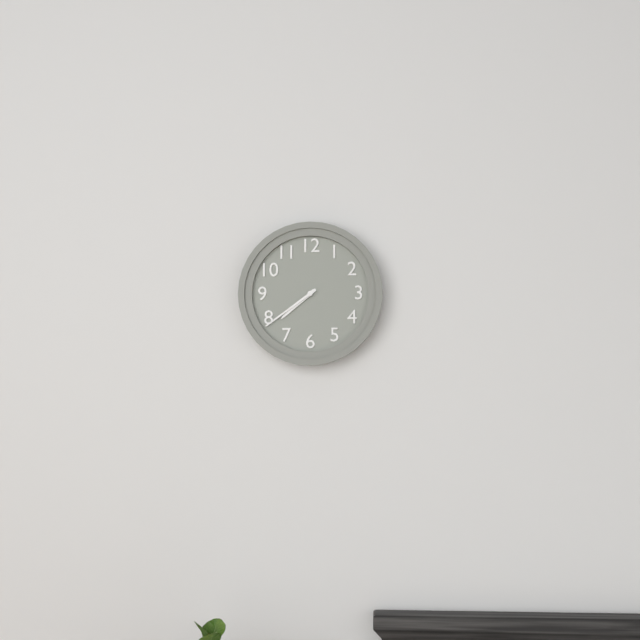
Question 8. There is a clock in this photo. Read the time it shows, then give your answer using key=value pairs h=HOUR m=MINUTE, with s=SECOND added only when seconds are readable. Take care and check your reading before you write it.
h=7 m=39
